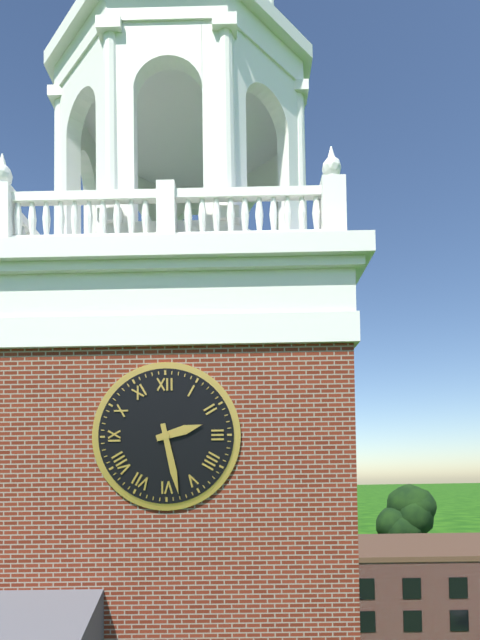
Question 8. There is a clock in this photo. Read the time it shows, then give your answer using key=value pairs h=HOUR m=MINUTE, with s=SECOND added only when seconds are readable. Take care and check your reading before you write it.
h=2 m=28
